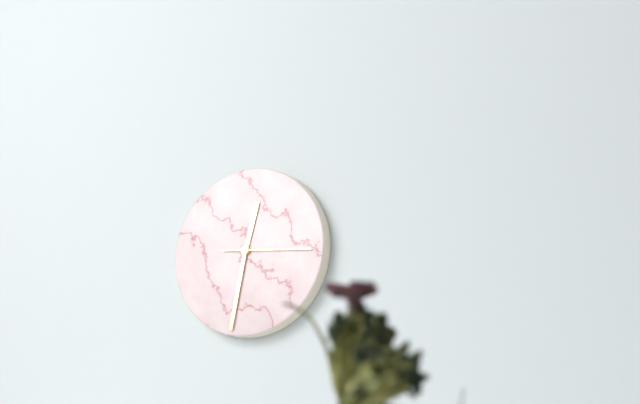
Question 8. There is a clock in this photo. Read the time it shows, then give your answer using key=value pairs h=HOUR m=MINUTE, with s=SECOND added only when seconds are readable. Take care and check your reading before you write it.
h=12 m=32 s=16
